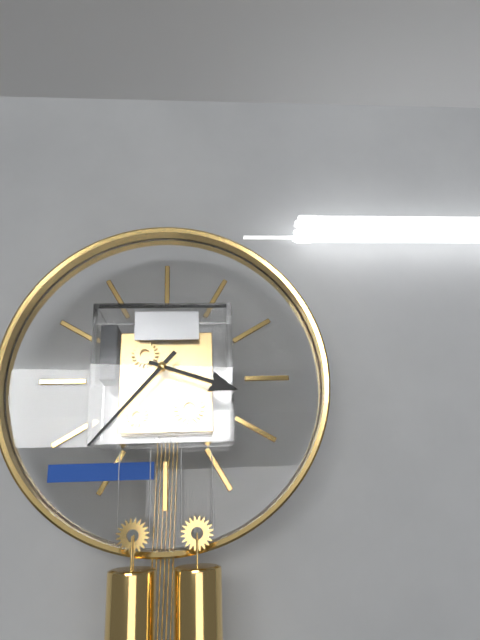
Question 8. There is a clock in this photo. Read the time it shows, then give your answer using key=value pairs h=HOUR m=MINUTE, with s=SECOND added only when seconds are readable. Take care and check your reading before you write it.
h=3 m=37
